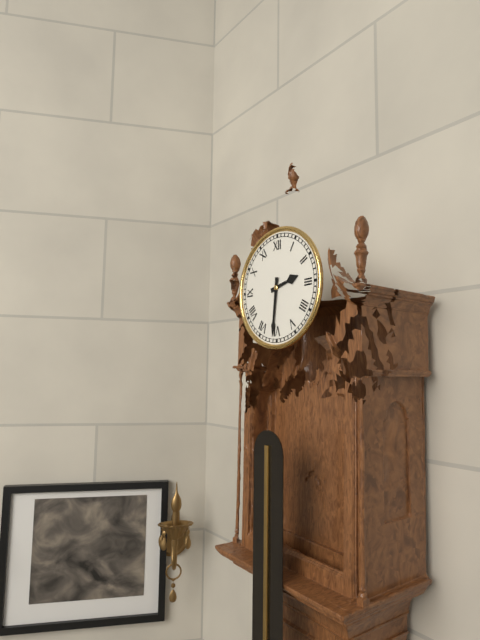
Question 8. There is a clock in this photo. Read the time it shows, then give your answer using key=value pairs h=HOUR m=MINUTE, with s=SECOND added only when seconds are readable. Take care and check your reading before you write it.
h=2 m=31
